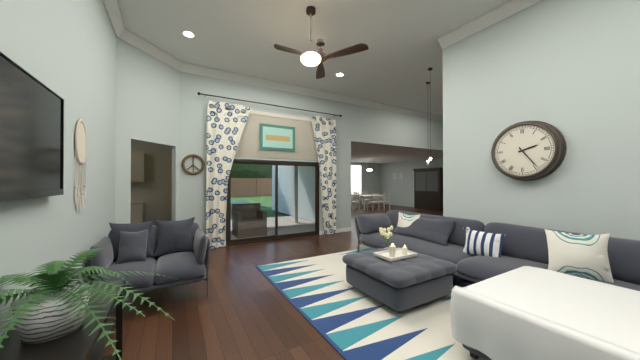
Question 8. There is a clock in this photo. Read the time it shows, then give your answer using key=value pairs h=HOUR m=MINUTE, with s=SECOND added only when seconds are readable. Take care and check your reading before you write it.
h=2 m=24
